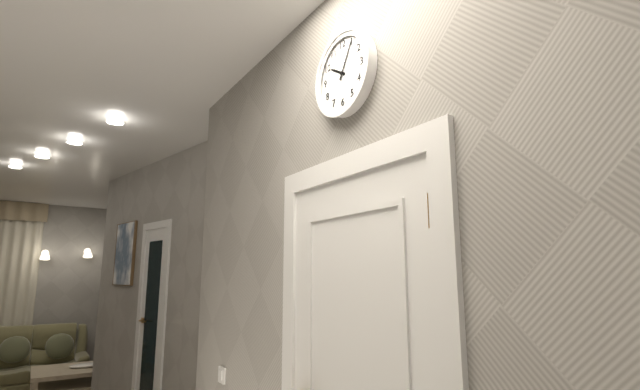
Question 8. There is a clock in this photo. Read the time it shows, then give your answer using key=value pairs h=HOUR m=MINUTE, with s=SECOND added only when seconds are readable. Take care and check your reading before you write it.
h=10 m=5
